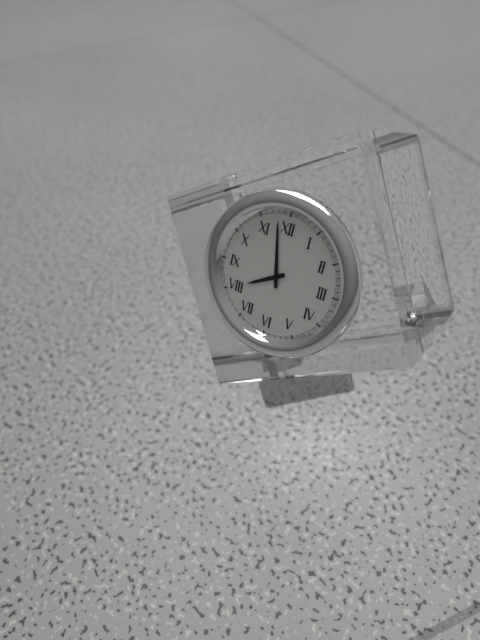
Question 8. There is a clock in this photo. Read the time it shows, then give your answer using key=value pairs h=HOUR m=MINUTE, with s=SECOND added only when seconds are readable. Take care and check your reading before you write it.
h=7 m=58
